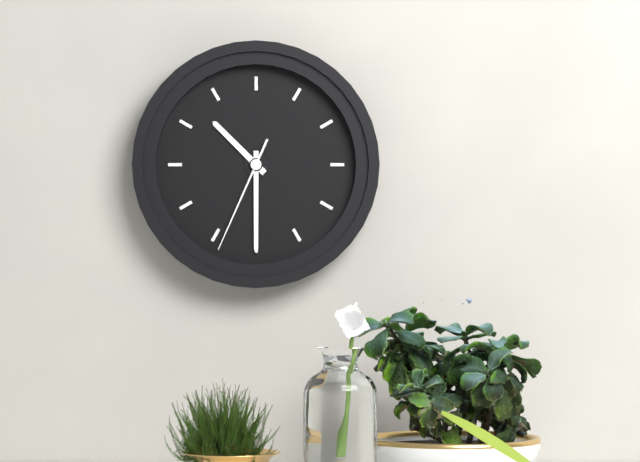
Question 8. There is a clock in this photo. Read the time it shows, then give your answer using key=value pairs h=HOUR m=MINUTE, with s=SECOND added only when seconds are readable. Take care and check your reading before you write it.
h=10 m=30 s=34
